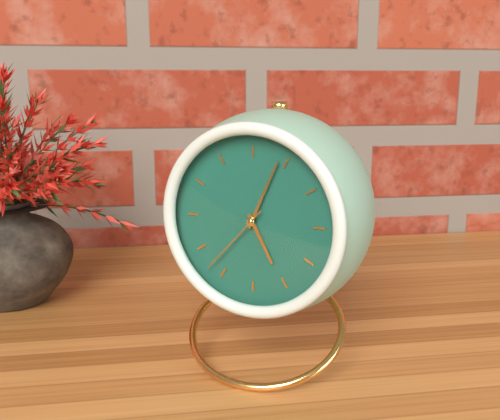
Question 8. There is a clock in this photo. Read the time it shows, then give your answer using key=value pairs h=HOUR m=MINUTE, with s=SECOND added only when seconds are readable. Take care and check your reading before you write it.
h=5 m=4 s=37
